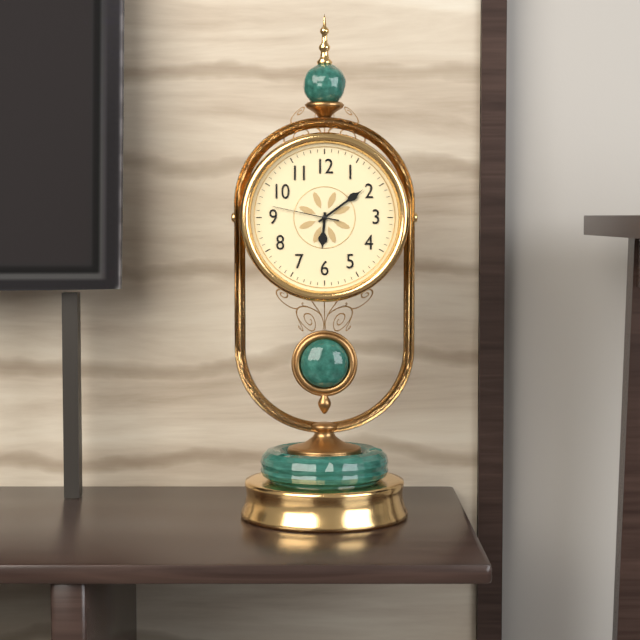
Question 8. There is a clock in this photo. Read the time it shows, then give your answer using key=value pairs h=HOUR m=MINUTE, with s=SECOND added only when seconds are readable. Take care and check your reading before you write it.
h=6 m=9 s=47
